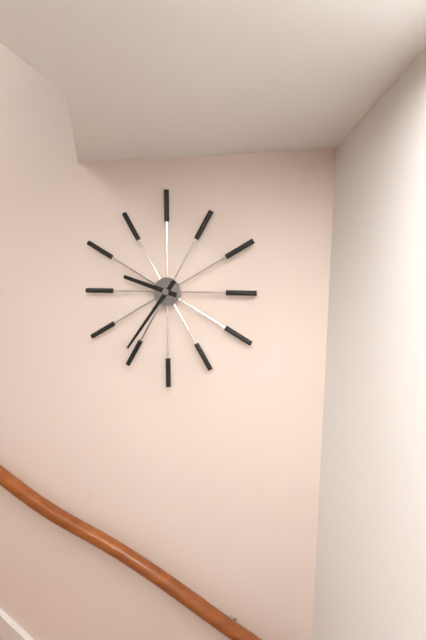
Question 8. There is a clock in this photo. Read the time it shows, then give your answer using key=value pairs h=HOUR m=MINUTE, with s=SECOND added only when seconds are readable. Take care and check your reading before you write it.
h=9 m=36
